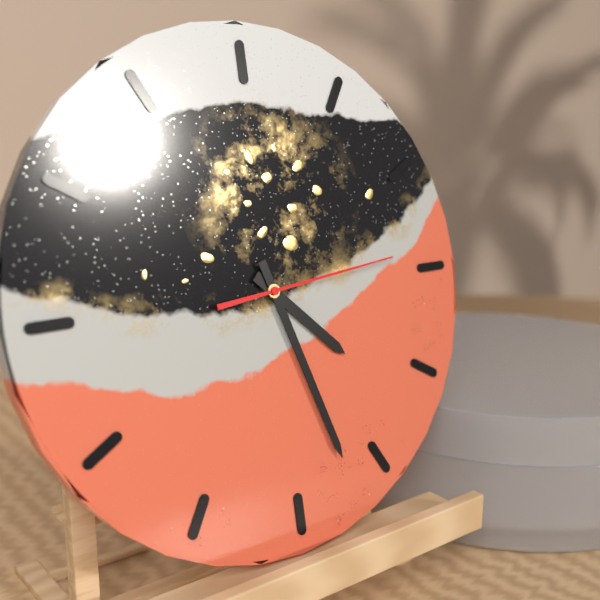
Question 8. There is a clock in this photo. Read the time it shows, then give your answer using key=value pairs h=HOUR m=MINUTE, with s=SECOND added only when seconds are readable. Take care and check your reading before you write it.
h=4 m=27 s=14
